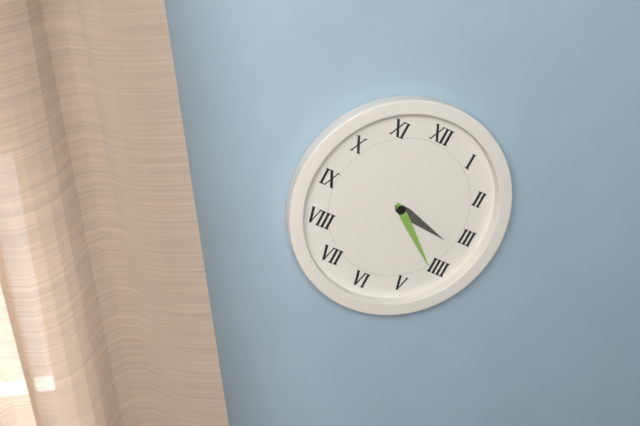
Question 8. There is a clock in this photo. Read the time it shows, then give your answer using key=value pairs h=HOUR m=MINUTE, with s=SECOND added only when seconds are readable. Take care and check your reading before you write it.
h=3 m=21
